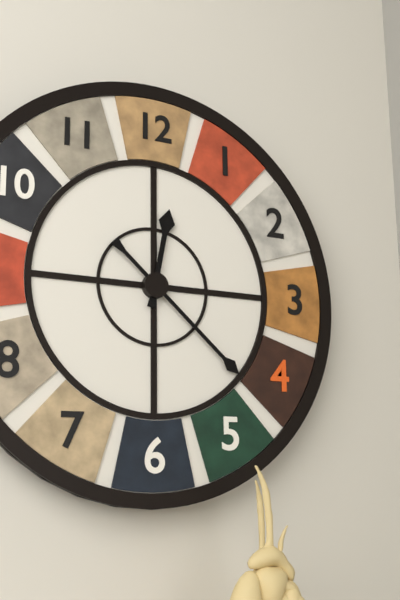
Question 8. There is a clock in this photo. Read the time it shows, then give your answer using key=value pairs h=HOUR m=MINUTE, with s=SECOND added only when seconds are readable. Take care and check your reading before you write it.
h=12 m=22
